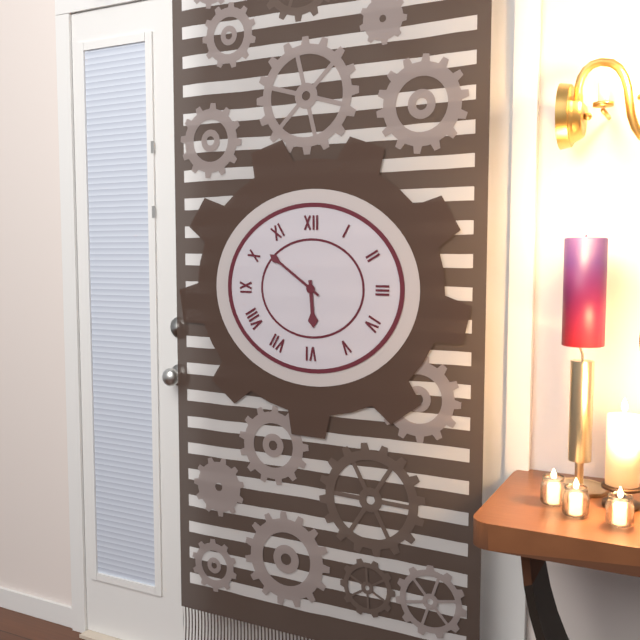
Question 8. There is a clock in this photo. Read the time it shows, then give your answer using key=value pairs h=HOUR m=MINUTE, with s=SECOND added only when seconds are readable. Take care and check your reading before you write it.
h=5 m=51
